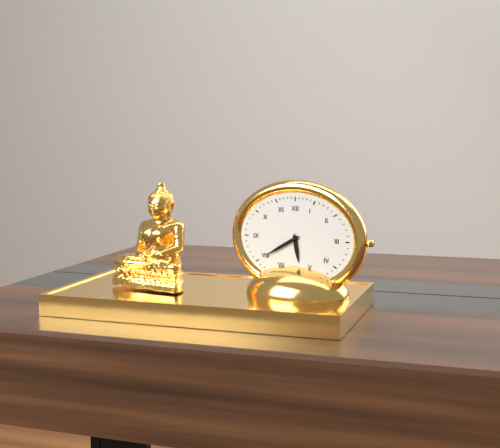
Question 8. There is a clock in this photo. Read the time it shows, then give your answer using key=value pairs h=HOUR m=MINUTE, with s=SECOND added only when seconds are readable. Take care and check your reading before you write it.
h=5 m=40
